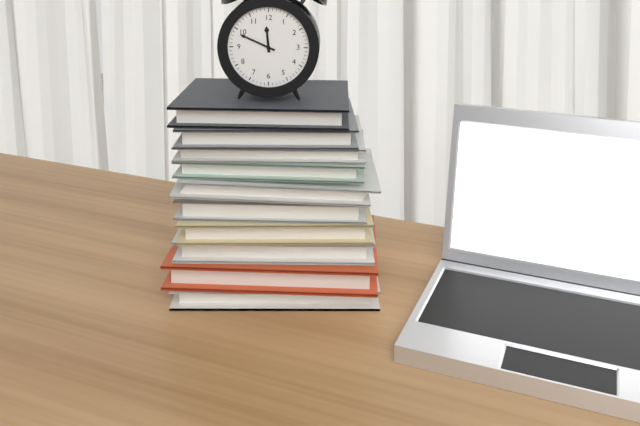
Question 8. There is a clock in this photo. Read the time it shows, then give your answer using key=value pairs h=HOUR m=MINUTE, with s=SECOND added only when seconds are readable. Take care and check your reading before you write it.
h=11 m=49
